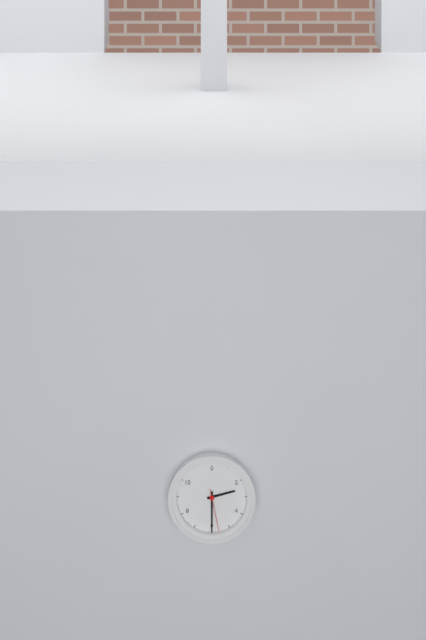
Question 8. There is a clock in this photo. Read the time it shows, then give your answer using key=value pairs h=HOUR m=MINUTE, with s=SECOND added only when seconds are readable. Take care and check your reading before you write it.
h=2 m=30
